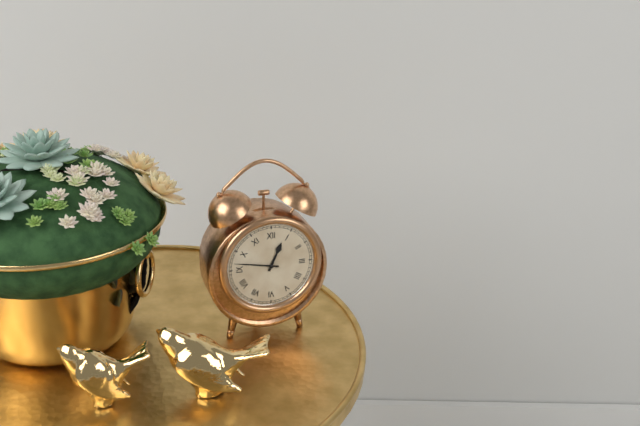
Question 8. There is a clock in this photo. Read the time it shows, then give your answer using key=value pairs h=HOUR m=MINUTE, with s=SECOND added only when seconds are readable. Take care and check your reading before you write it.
h=12 m=47
